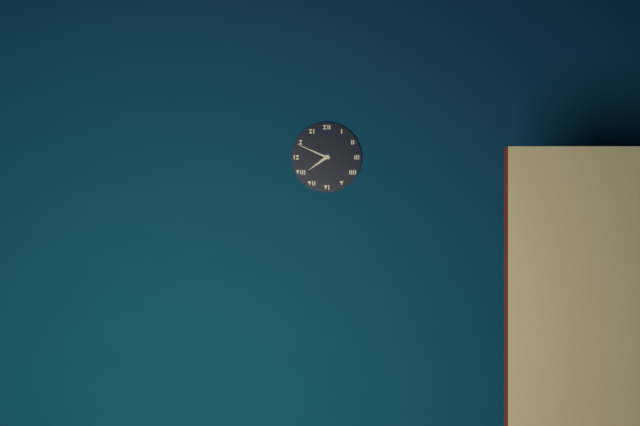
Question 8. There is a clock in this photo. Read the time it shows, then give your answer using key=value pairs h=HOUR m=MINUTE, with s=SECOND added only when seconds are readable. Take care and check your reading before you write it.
h=7 m=49
